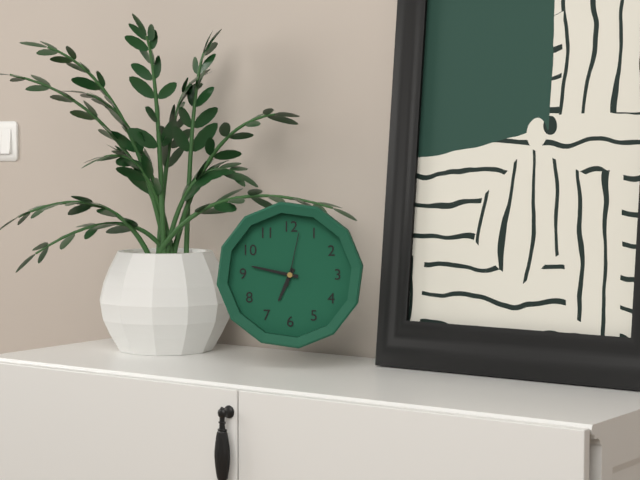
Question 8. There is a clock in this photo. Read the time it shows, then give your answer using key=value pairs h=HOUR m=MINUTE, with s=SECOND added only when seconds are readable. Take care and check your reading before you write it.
h=6 m=47 s=2
